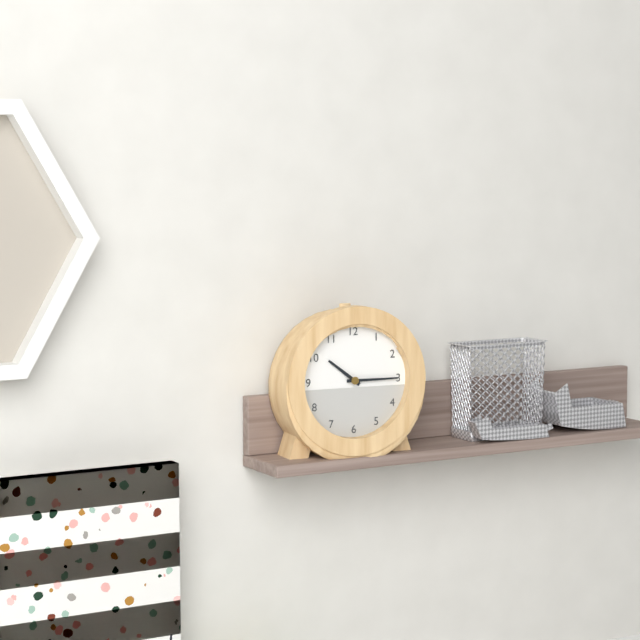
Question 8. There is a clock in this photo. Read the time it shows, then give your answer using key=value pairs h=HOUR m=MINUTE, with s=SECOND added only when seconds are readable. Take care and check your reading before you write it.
h=10 m=15
